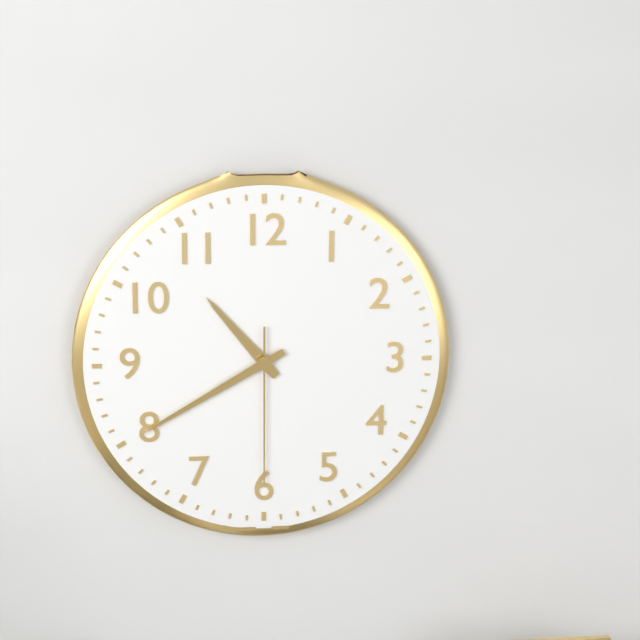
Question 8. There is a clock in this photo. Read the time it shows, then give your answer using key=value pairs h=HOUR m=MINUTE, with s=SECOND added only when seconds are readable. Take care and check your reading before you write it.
h=10 m=40 s=30
